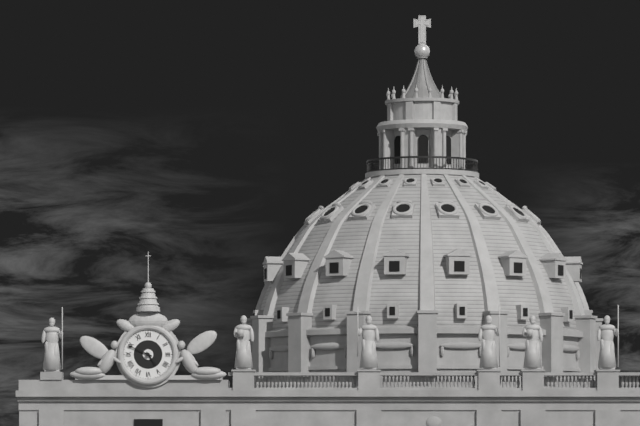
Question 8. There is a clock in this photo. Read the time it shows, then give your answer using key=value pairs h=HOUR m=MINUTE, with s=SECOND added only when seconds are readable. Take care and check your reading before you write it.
h=4 m=49
